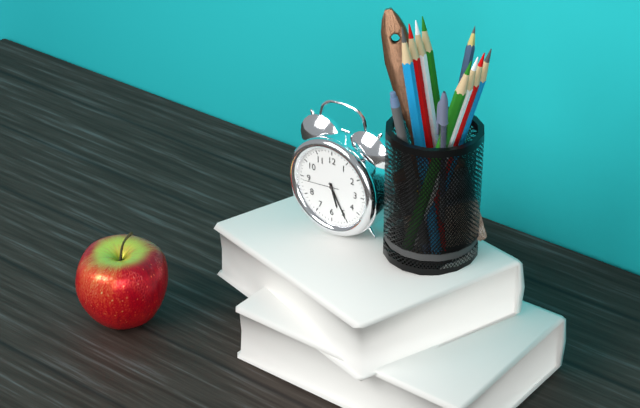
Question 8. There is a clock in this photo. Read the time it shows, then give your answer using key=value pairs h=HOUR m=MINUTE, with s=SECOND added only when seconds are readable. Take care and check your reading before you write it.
h=5 m=25
